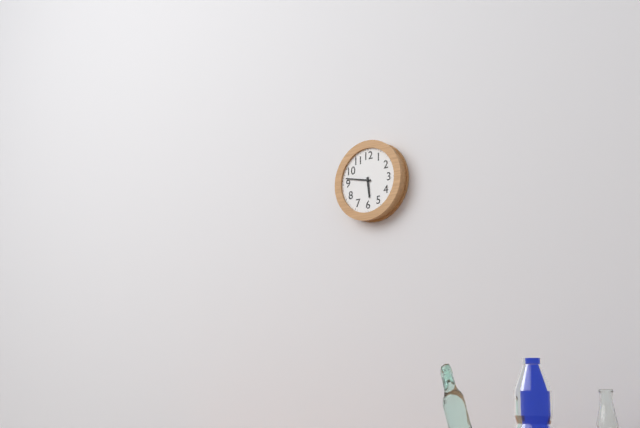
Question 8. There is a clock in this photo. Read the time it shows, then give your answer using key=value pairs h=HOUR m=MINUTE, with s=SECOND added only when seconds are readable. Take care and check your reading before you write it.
h=5 m=47
